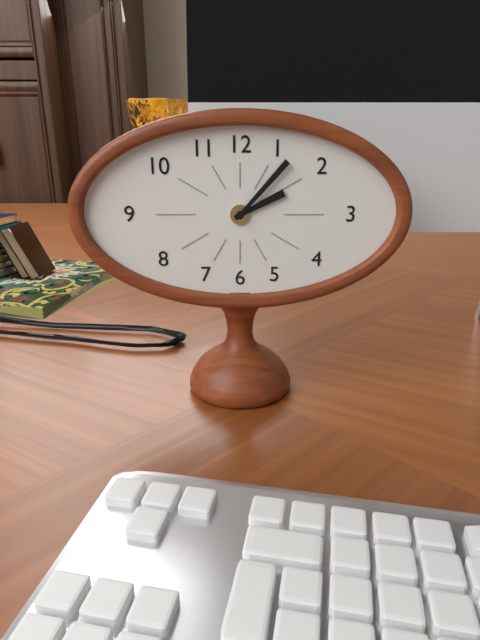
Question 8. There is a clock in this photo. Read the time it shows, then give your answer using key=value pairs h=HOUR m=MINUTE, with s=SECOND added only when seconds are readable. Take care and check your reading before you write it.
h=2 m=7
